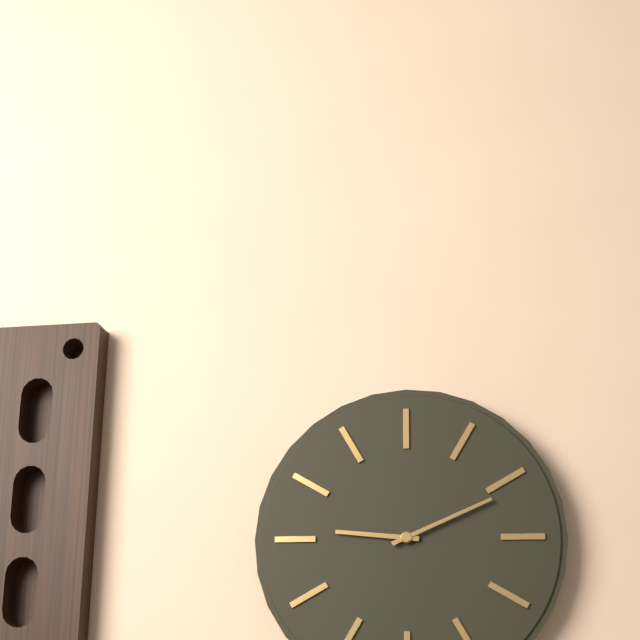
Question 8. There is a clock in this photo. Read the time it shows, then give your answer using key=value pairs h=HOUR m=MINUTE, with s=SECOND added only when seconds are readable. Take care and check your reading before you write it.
h=9 m=11
